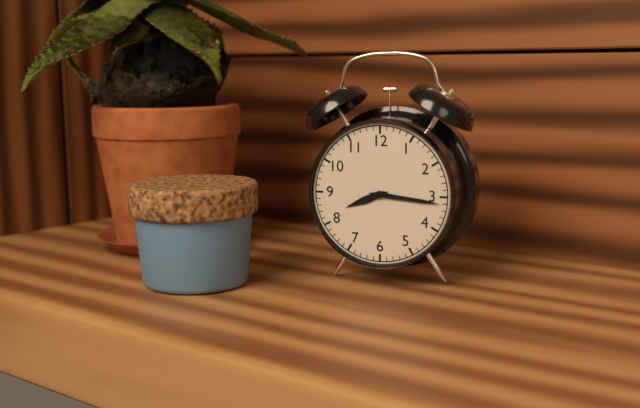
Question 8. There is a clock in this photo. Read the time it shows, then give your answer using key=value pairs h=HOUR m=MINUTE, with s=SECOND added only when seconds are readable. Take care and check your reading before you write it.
h=8 m=16
